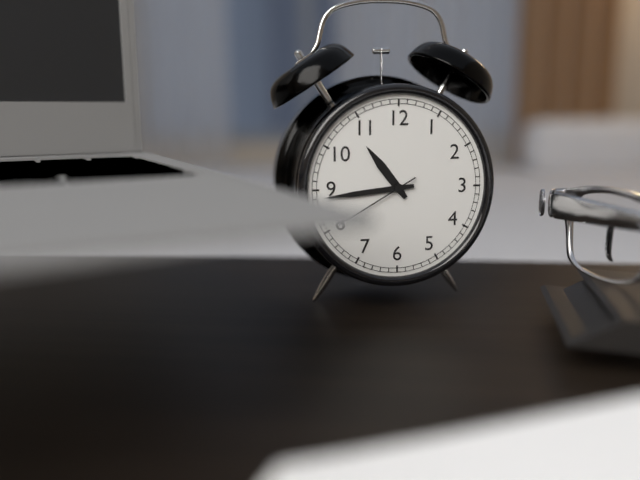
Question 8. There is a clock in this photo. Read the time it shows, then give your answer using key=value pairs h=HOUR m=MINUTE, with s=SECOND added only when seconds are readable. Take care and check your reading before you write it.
h=10 m=44
